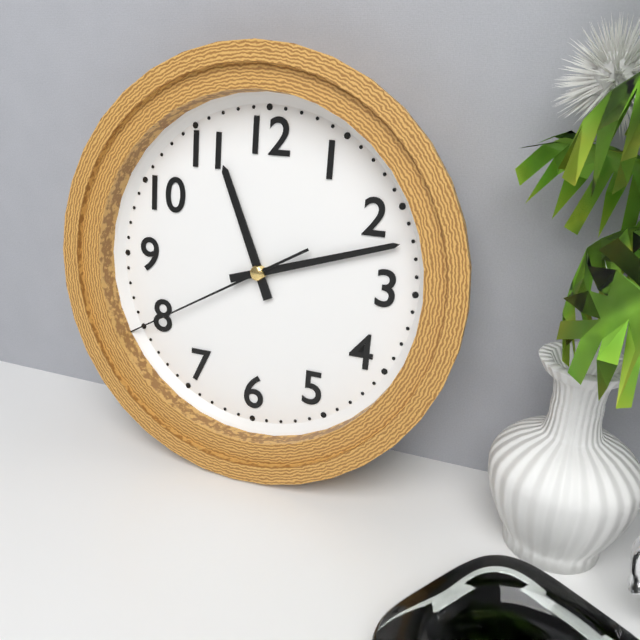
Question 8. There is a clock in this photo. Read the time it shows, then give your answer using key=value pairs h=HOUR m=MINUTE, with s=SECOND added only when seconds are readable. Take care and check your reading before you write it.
h=11 m=12 s=40
